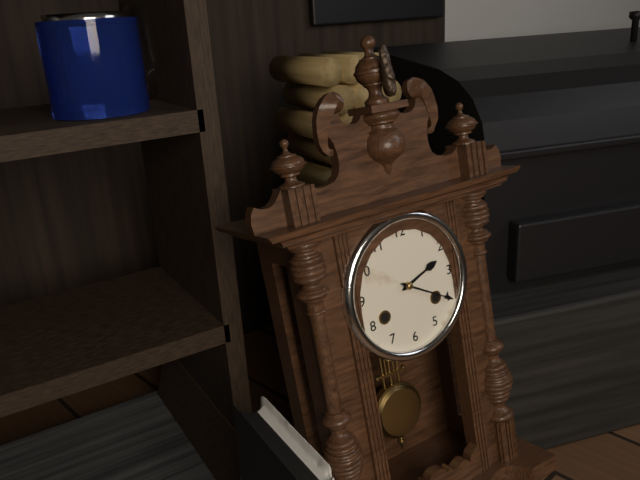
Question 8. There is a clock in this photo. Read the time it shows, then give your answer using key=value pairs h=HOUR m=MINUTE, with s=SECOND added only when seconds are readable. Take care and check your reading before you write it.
h=2 m=20
